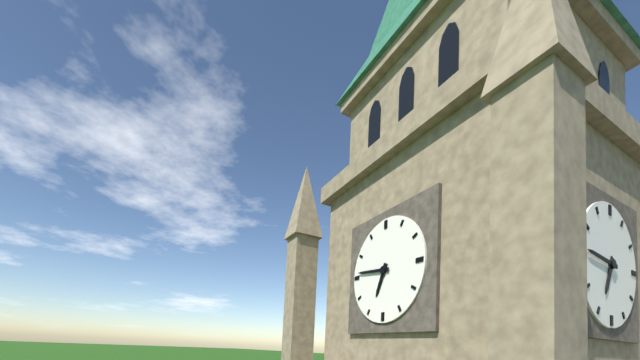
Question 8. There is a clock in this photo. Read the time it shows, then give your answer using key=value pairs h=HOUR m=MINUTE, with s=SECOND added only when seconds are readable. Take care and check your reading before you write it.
h=6 m=46
